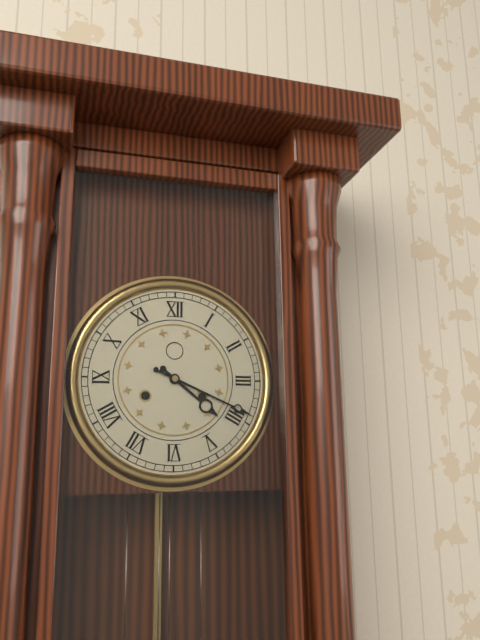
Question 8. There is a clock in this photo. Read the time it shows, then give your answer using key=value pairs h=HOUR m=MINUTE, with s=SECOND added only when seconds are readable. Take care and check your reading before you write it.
h=4 m=19
